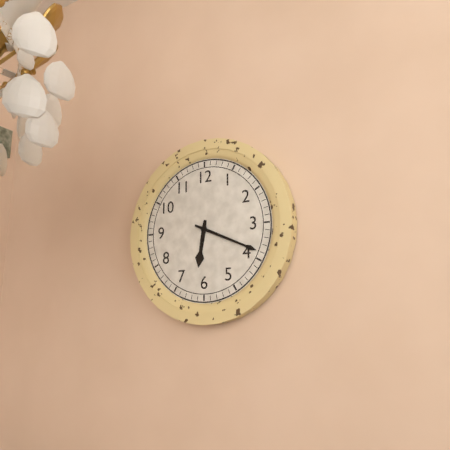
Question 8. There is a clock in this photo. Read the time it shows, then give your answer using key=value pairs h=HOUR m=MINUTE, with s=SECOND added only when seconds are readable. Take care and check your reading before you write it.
h=6 m=19
